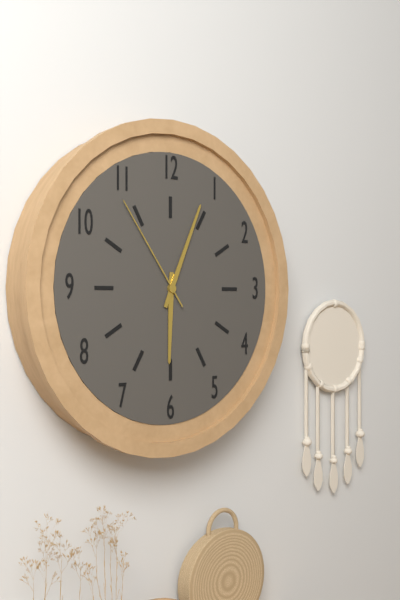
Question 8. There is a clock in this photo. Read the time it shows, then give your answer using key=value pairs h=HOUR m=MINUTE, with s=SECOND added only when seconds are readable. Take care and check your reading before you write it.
h=6 m=4 s=54
